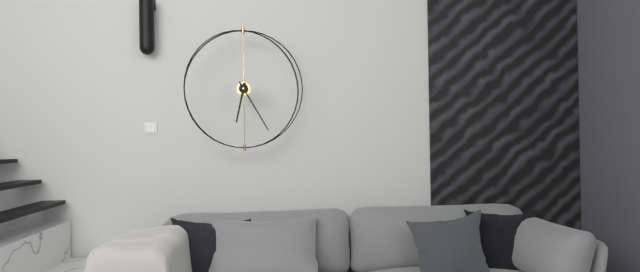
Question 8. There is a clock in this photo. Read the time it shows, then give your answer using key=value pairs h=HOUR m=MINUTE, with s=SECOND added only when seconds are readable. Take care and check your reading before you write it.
h=6 m=25
